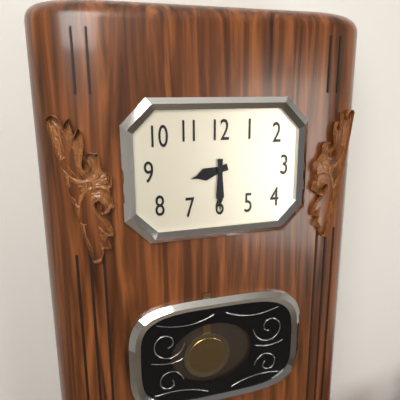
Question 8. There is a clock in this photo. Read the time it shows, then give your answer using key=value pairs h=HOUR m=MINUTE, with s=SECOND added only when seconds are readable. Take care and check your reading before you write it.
h=8 m=30
